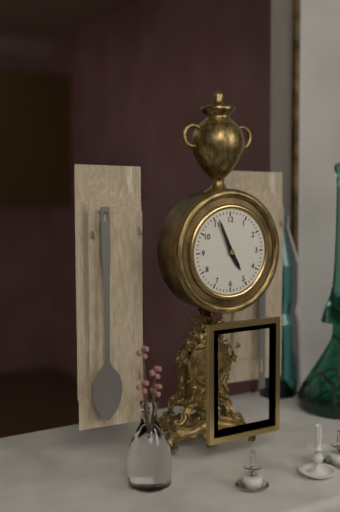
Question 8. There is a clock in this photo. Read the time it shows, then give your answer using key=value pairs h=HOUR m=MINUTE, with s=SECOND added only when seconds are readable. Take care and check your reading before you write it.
h=4 m=56
